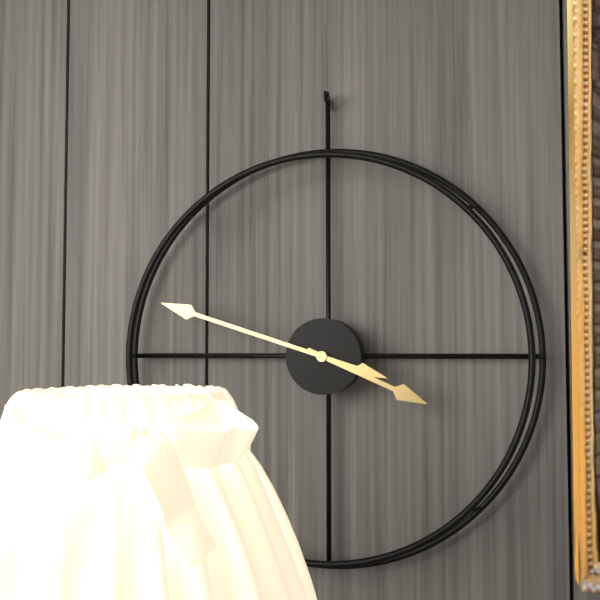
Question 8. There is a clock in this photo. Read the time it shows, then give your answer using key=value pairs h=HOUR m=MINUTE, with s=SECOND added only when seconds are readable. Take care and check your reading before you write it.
h=3 m=48
